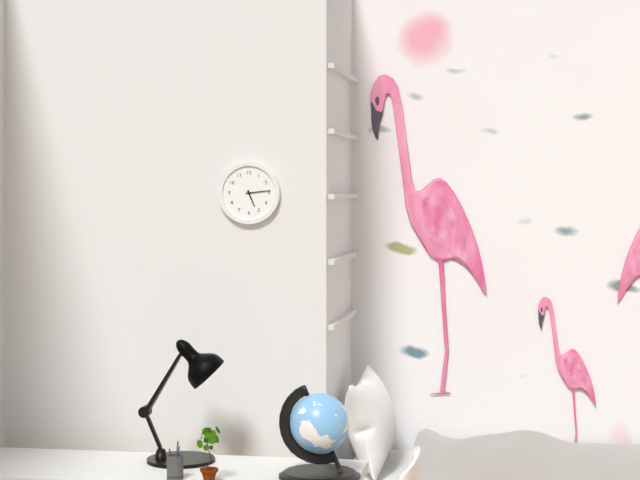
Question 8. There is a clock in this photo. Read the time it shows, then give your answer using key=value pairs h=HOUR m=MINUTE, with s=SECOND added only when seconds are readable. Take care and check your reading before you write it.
h=5 m=14
